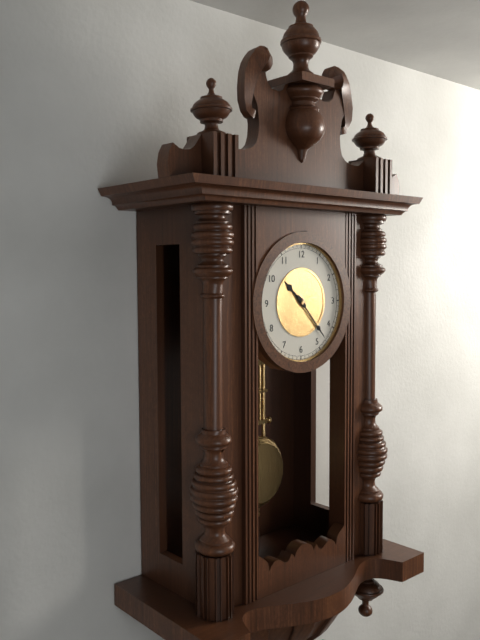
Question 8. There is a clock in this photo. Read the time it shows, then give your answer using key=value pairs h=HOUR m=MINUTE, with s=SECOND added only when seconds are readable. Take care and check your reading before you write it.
h=10 m=23
